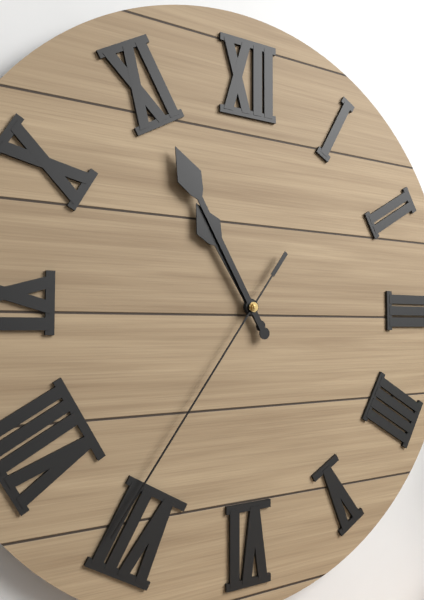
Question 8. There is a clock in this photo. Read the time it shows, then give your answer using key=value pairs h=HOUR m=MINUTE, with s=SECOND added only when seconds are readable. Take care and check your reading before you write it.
h=10 m=55 s=36
